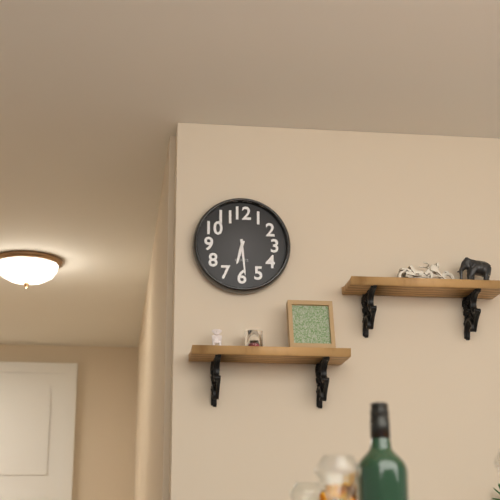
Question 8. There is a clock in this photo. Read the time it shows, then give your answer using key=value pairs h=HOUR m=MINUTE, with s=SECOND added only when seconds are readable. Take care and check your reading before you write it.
h=6 m=29
